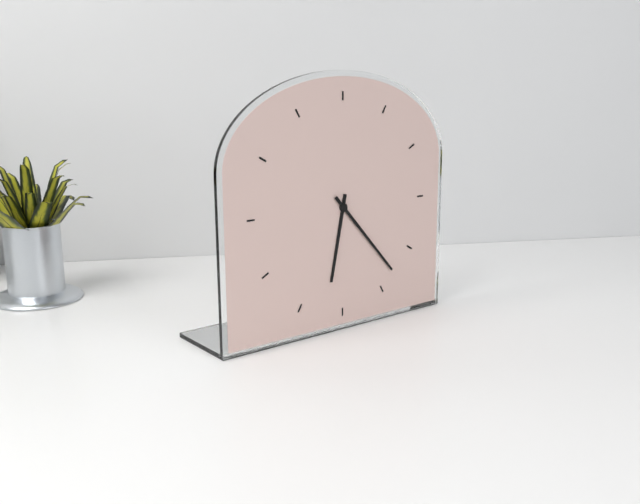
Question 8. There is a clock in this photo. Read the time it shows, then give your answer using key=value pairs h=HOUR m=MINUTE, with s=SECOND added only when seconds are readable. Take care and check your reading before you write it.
h=6 m=23
